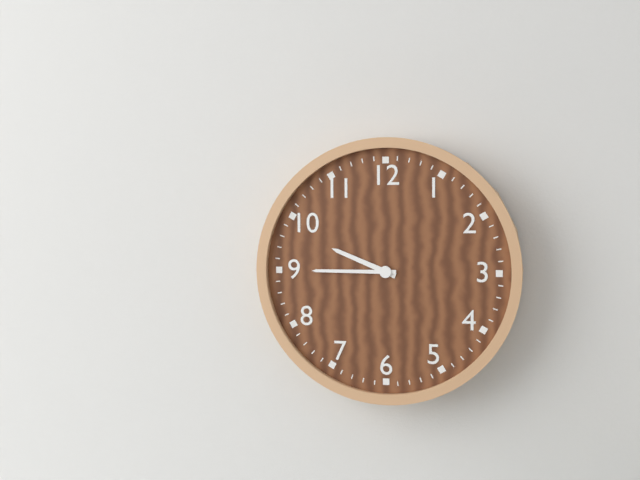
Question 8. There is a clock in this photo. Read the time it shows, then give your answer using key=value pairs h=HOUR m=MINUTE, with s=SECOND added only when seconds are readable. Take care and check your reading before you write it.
h=9 m=45
